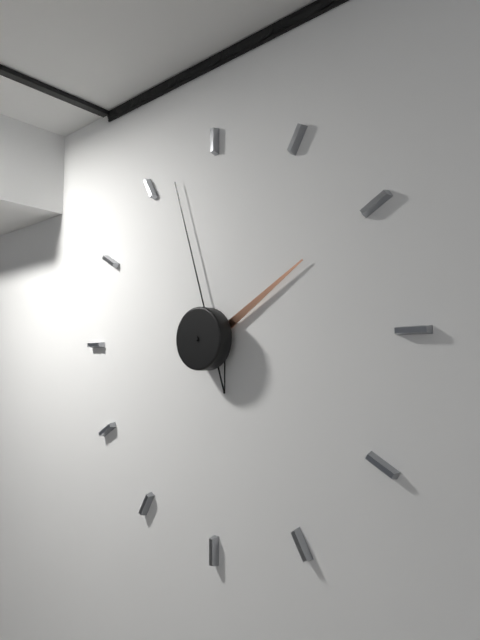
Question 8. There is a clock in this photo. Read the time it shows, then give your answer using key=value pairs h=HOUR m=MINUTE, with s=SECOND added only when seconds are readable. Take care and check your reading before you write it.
h=1 m=57
